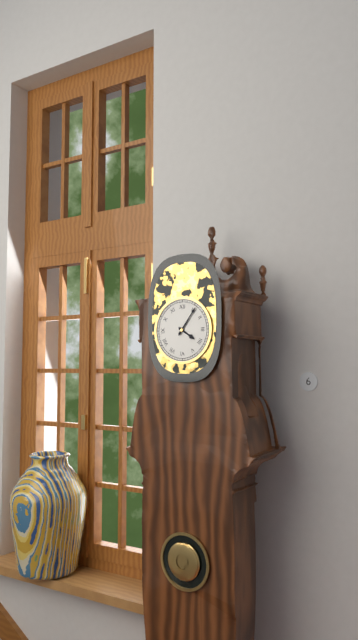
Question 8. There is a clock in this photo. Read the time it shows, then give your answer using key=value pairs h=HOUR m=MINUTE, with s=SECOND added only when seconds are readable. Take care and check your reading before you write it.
h=4 m=6
